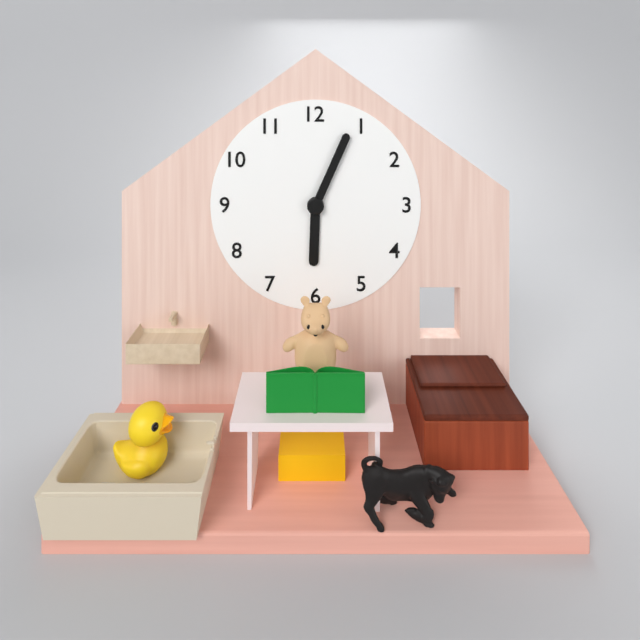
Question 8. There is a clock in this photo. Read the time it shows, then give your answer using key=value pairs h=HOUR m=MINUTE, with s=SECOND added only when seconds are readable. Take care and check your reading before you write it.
h=6 m=4
